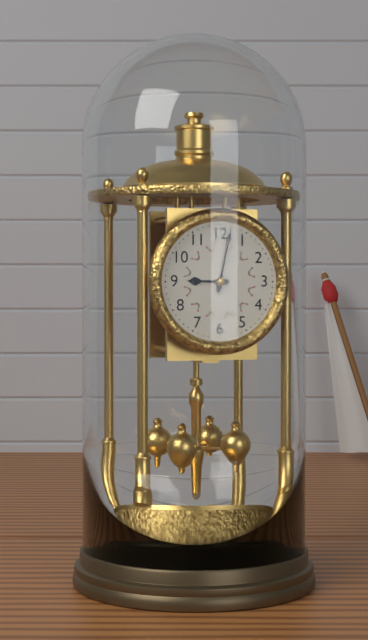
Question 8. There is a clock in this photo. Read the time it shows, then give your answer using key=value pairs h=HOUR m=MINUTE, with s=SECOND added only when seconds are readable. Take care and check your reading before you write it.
h=9 m=2
